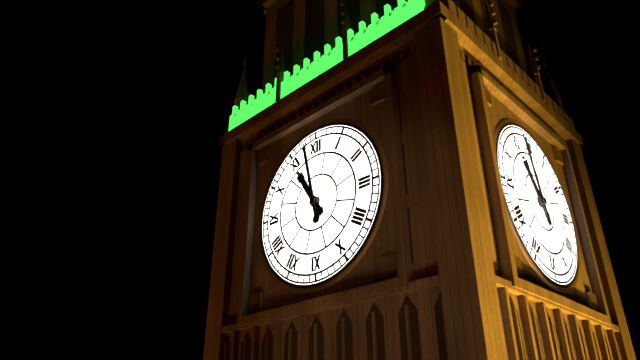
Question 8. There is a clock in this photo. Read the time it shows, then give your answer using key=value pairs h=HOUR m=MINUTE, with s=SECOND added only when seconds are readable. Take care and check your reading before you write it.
h=10 m=58
